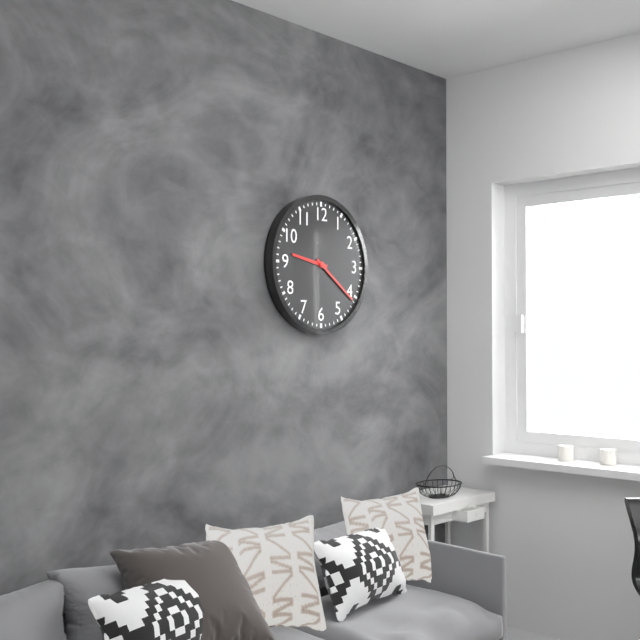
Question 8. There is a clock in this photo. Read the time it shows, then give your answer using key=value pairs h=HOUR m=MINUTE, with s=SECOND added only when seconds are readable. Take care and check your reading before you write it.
h=9 m=21
